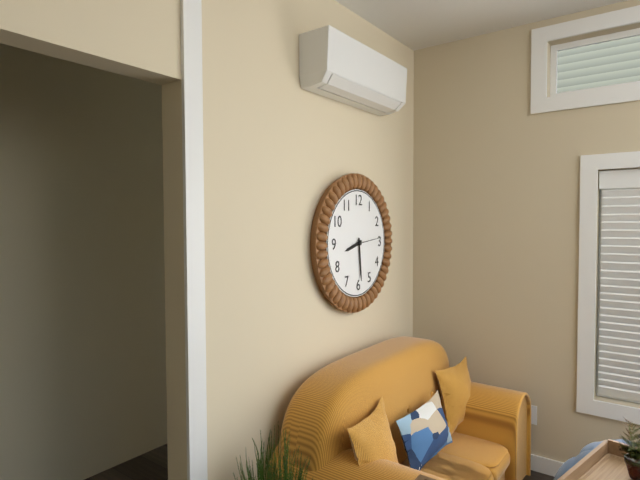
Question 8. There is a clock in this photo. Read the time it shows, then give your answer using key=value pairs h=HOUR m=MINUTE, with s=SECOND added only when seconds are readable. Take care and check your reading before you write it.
h=8 m=29
